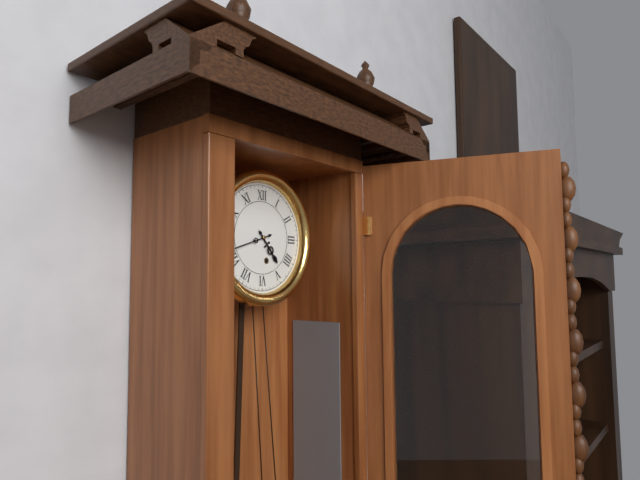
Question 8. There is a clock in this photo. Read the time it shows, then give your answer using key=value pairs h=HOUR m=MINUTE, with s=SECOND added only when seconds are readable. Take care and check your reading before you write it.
h=4 m=42
